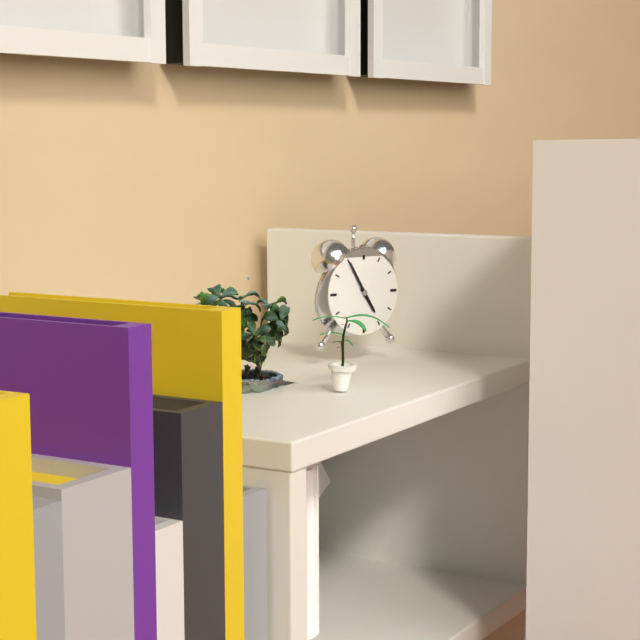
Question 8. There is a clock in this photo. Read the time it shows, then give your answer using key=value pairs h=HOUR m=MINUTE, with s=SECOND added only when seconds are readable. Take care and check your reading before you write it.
h=4 m=55
